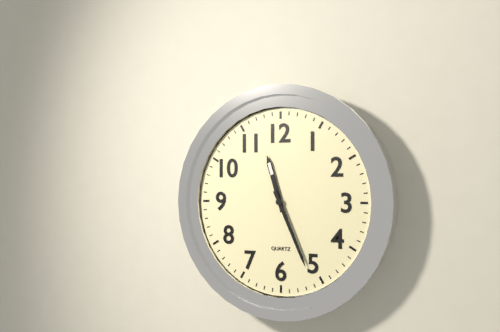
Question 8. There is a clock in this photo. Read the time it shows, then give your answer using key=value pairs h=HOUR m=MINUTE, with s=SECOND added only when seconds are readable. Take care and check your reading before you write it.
h=11 m=26
